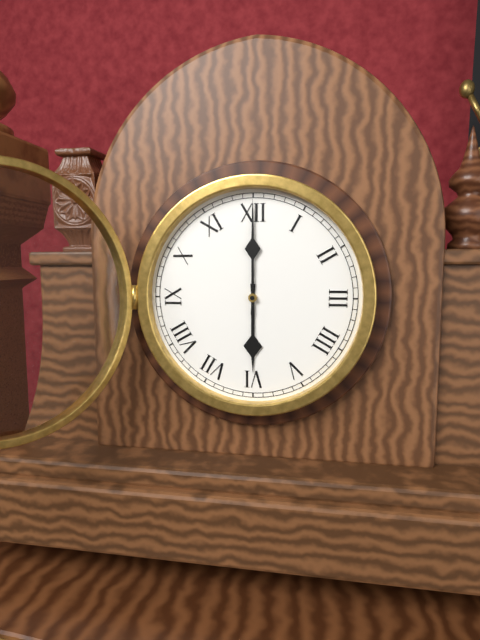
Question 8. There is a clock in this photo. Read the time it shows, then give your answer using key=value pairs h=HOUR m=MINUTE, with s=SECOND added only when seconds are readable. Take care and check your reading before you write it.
h=6 m=0
